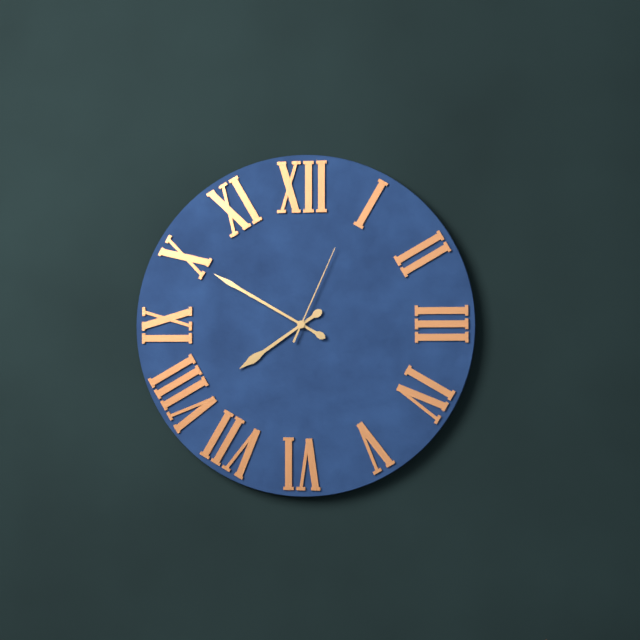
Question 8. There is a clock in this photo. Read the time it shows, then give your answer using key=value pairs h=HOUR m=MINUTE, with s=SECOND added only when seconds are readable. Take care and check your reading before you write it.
h=7 m=50 s=4
